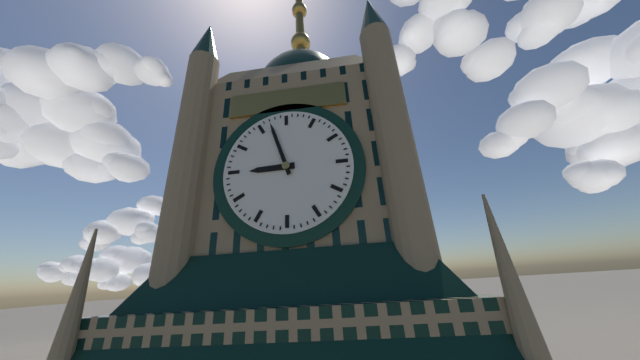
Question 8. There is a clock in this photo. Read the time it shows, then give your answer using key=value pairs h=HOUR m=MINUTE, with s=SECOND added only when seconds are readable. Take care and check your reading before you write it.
h=8 m=57
